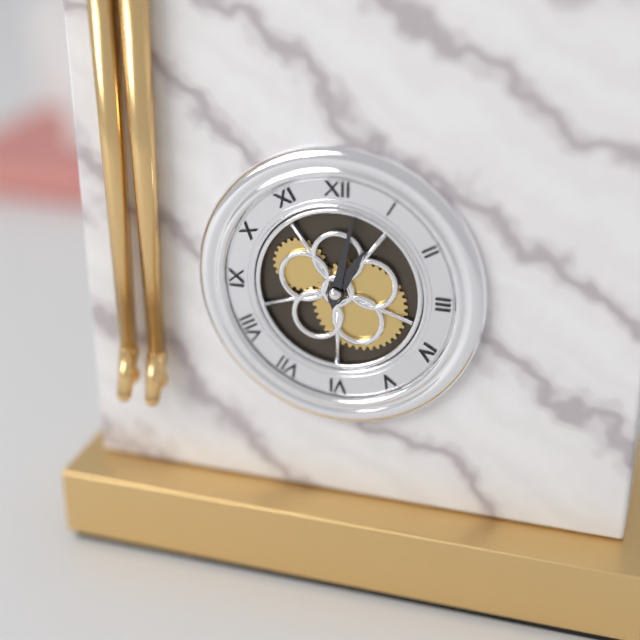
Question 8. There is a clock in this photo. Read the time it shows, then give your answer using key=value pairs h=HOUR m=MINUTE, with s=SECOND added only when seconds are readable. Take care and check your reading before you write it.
h=1 m=2
